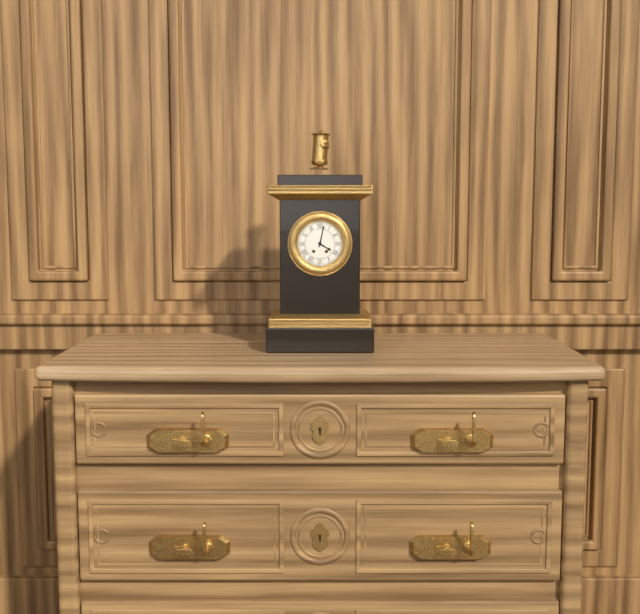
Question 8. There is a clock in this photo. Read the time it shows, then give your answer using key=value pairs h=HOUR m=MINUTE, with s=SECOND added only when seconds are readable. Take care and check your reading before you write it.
h=4 m=2
